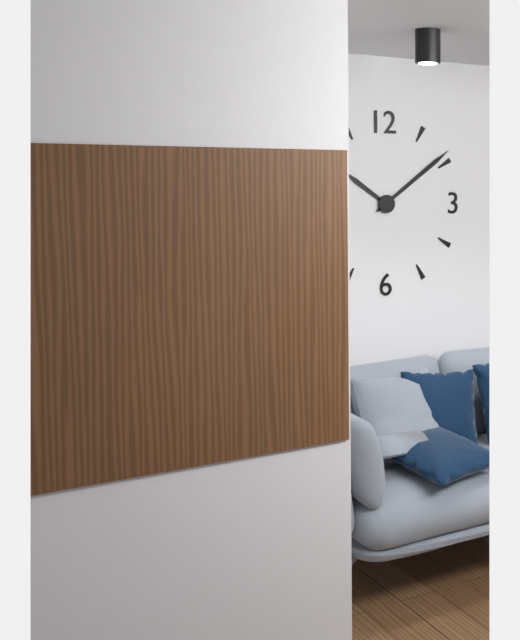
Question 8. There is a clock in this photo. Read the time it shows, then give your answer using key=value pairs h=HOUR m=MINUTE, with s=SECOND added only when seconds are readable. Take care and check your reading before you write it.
h=10 m=9
